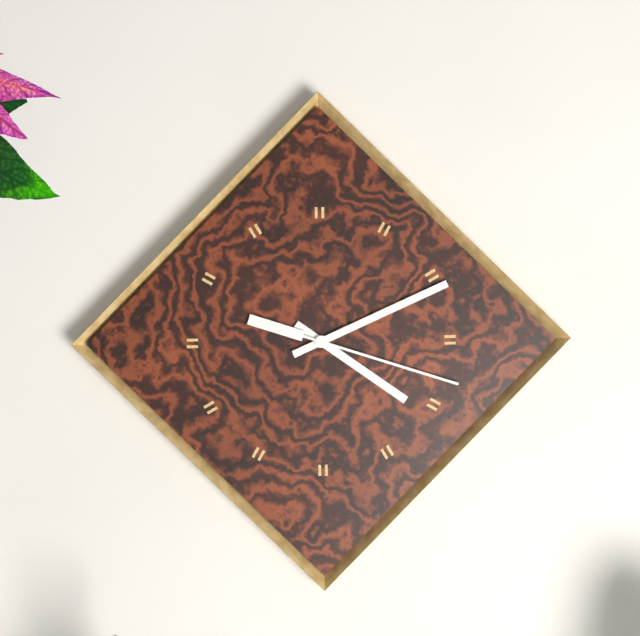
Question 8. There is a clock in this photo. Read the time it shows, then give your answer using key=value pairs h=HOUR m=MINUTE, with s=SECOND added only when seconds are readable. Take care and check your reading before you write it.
h=4 m=11 s=18
